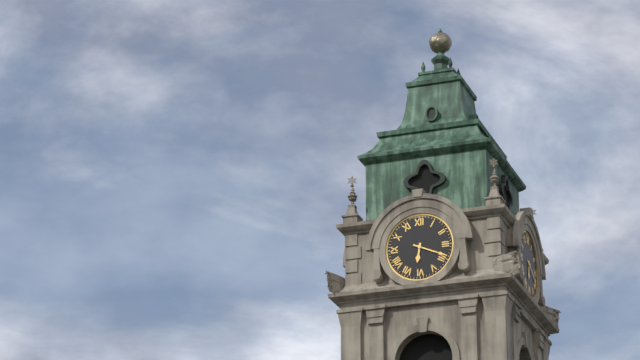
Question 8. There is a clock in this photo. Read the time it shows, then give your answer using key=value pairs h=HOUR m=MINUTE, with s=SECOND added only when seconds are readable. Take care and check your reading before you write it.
h=6 m=19
